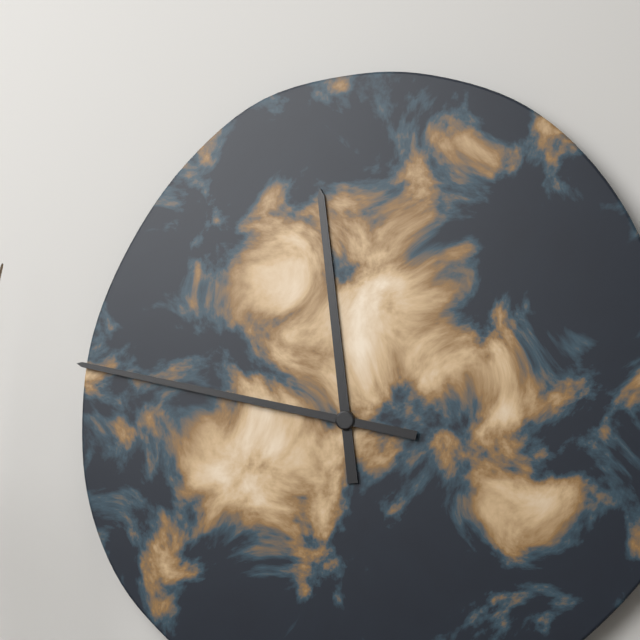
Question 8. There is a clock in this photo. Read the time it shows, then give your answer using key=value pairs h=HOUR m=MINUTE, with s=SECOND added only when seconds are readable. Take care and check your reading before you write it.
h=11 m=47
